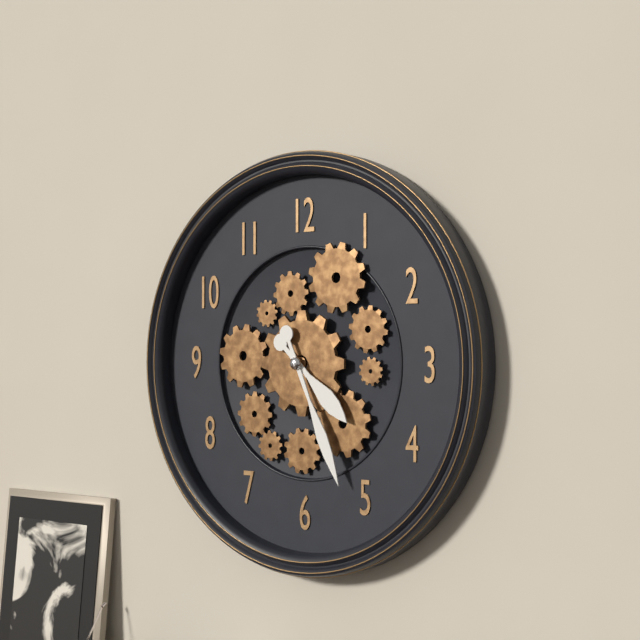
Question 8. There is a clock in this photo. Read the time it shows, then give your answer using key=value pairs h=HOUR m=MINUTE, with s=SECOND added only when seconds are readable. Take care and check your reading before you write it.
h=4 m=26
